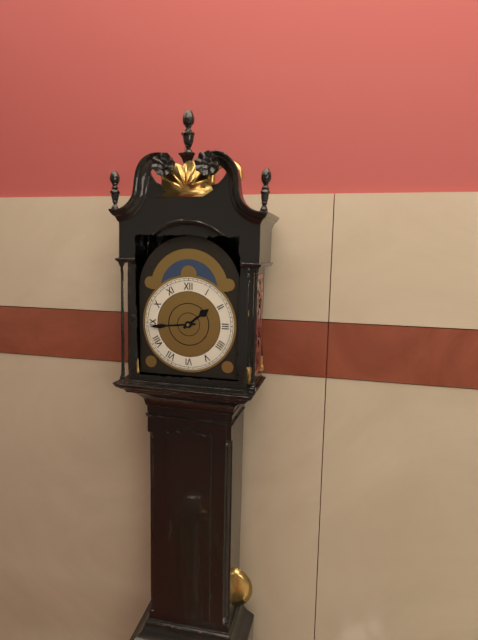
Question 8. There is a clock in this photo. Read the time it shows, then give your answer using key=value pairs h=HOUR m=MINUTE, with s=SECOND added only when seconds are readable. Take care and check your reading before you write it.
h=1 m=44
